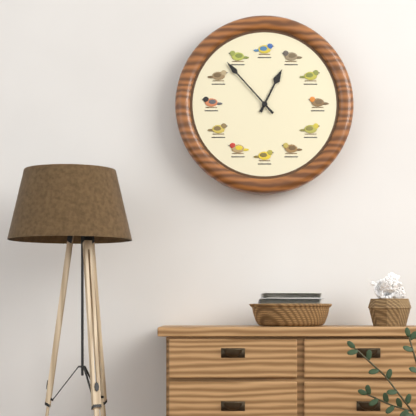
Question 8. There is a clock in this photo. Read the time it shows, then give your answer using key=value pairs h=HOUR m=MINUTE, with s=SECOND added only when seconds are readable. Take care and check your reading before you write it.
h=12 m=53
